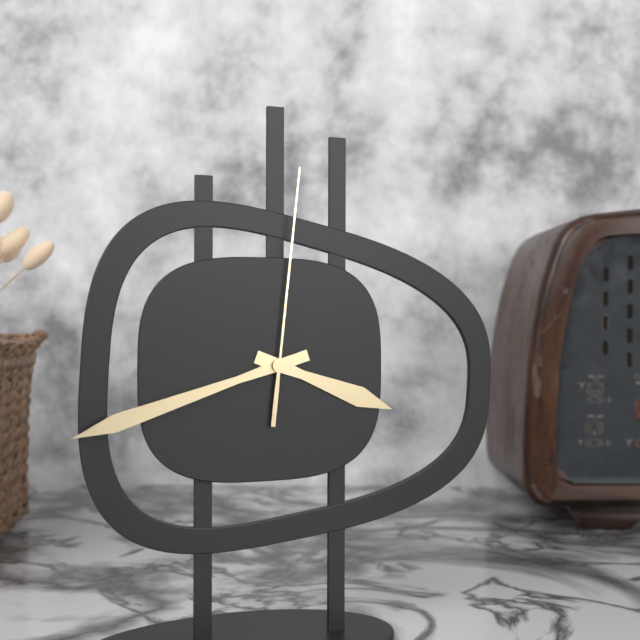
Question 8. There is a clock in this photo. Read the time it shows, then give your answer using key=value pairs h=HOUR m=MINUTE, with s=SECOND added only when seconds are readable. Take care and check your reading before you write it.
h=3 m=42 s=1
